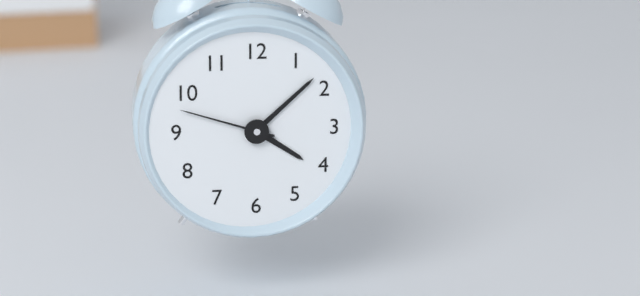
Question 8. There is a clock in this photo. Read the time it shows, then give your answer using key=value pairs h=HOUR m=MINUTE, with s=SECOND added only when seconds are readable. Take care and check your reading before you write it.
h=4 m=8 s=48
